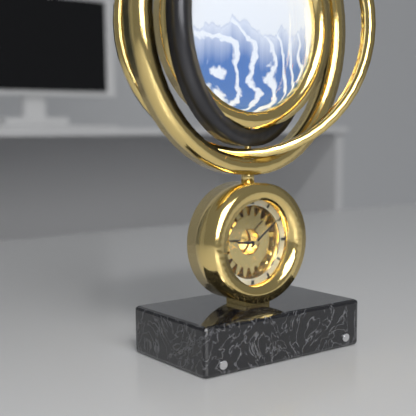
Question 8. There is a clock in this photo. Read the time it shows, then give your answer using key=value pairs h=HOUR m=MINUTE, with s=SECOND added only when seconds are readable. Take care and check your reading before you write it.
h=9 m=9
